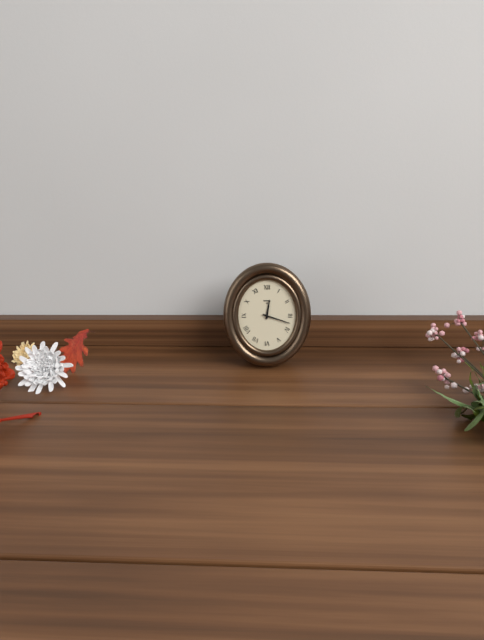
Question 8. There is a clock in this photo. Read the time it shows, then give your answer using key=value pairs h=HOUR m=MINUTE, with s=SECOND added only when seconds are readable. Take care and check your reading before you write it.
h=12 m=18
